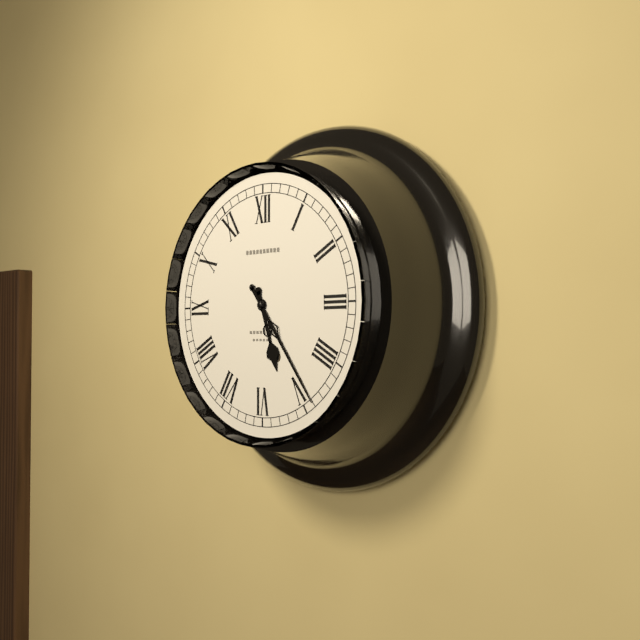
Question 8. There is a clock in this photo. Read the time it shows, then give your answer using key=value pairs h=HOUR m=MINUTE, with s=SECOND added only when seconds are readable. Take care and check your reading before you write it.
h=5 m=24
